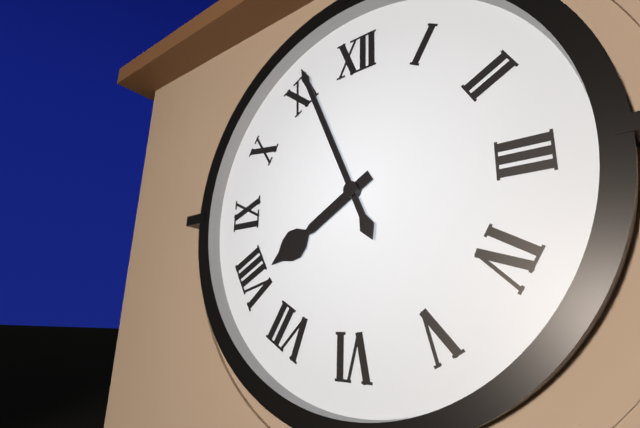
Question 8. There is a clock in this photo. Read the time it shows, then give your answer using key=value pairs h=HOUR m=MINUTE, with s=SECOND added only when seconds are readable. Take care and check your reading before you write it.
h=7 m=56
